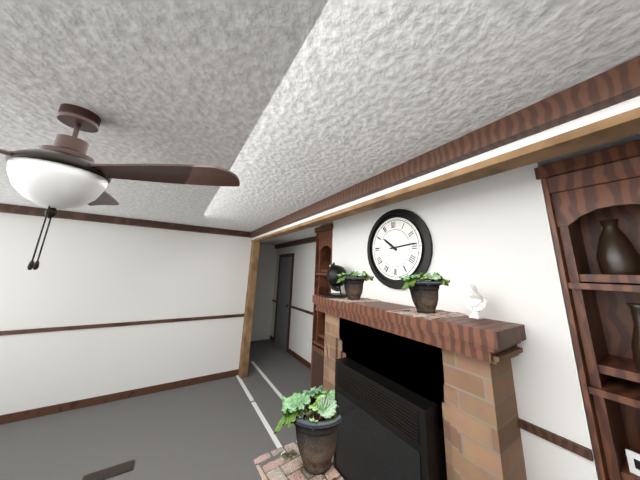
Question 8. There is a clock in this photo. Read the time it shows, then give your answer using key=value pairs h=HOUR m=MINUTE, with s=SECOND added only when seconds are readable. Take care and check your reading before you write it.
h=10 m=14
